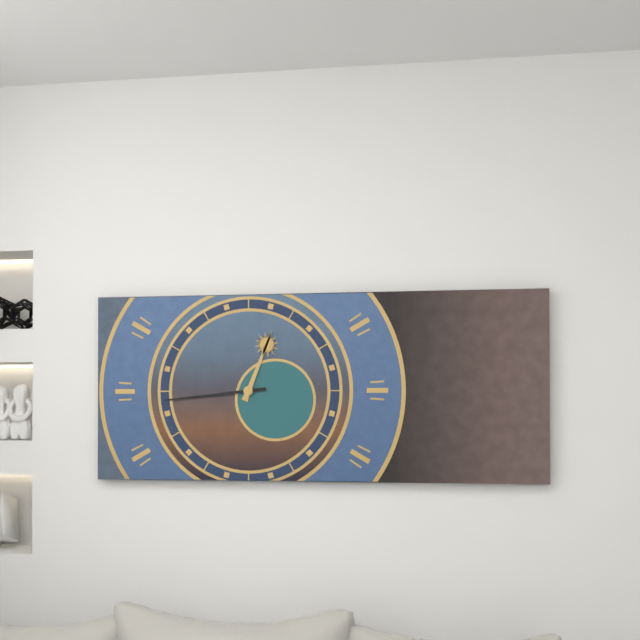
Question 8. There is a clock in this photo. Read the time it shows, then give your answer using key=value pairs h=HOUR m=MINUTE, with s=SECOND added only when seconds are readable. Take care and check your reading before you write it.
h=12 m=44
